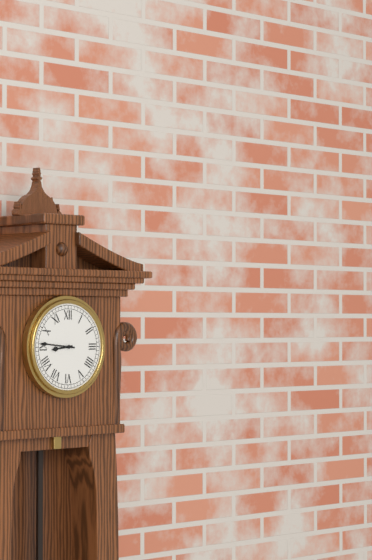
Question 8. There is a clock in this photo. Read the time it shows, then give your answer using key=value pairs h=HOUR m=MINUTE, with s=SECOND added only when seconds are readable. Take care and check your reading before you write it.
h=8 m=46
